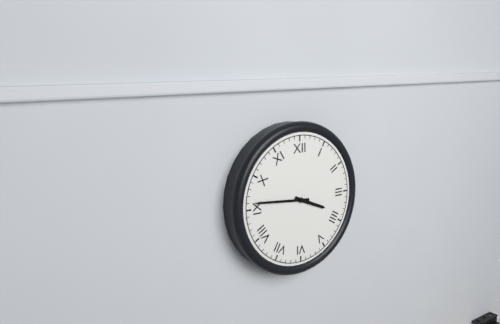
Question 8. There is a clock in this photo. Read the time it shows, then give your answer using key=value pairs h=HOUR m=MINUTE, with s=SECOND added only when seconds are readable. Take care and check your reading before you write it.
h=3 m=46
